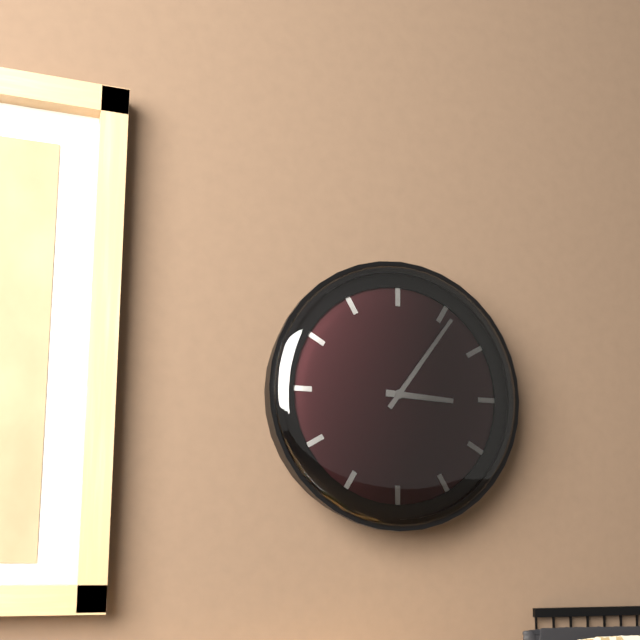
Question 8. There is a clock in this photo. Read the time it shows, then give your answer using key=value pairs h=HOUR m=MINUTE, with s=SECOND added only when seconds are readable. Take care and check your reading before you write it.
h=3 m=6
